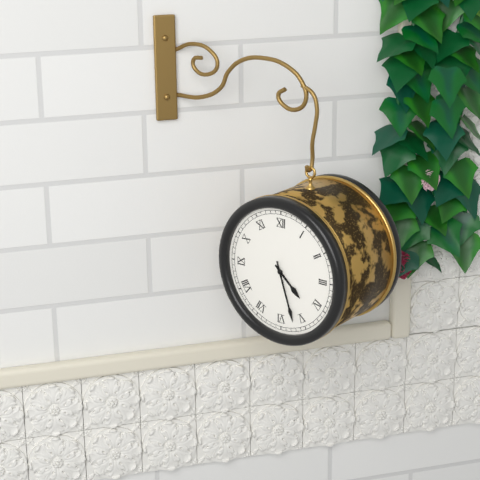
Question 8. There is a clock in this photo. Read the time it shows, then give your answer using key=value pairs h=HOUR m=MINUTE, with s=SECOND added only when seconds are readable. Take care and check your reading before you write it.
h=4 m=27
